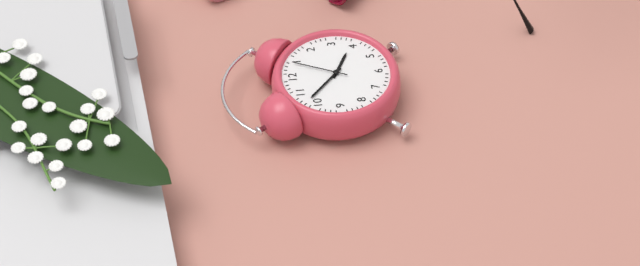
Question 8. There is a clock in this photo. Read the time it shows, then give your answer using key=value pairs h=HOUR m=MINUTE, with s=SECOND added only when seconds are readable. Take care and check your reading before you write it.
h=3 m=52 s=4
